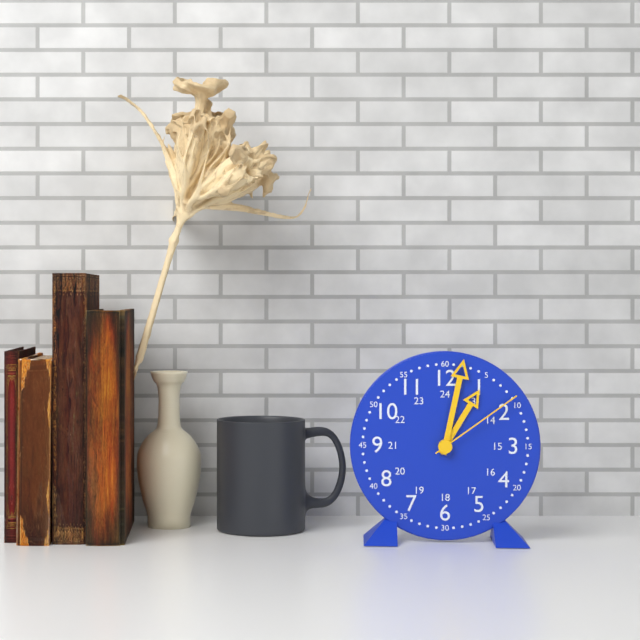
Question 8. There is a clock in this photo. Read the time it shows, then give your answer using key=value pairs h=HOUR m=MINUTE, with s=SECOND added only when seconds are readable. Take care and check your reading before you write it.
h=1 m=2 s=9
